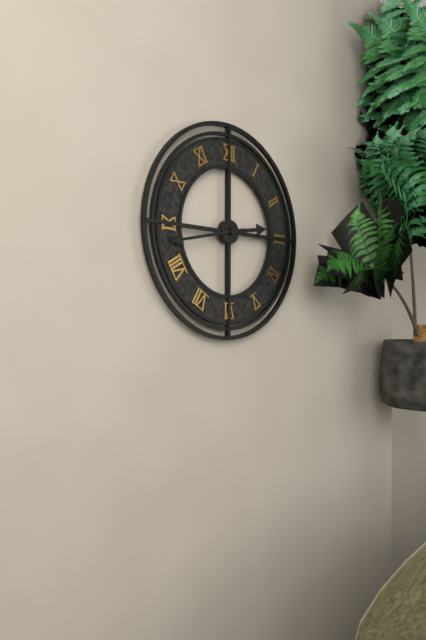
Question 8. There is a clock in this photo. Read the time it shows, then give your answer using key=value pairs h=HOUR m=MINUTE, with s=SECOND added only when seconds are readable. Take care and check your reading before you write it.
h=2 m=43
